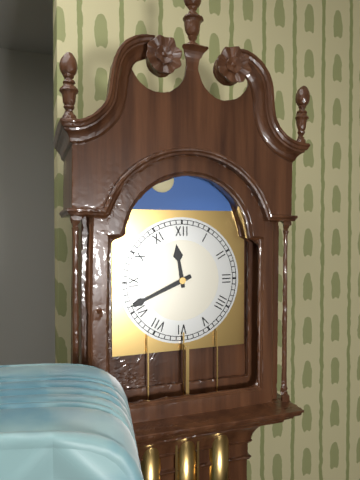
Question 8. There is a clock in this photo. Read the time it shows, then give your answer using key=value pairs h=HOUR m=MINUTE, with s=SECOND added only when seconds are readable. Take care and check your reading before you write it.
h=11 m=41
